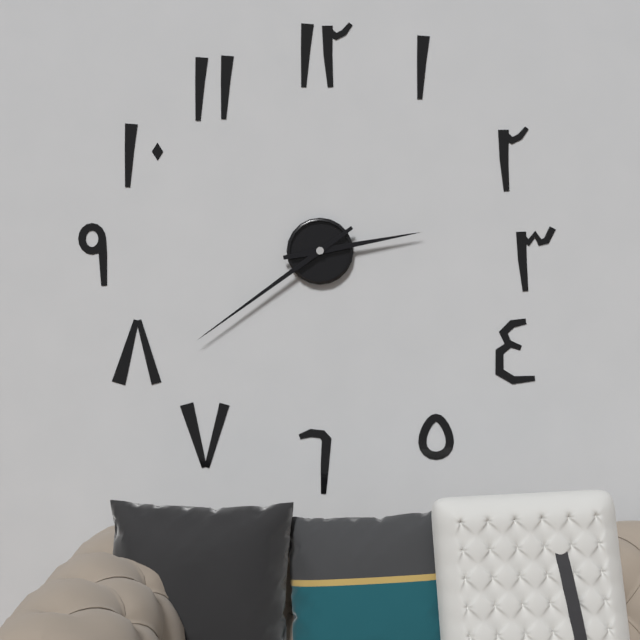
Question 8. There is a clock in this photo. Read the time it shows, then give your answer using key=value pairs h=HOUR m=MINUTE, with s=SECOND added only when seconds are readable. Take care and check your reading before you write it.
h=2 m=39
